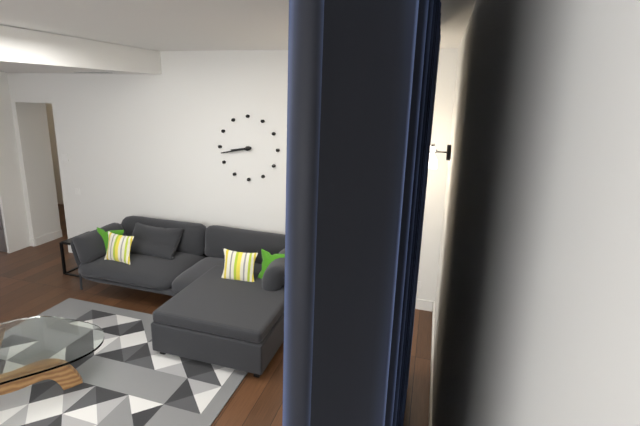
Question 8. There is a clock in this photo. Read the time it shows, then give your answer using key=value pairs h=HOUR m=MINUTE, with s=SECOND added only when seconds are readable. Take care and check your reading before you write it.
h=8 m=43
